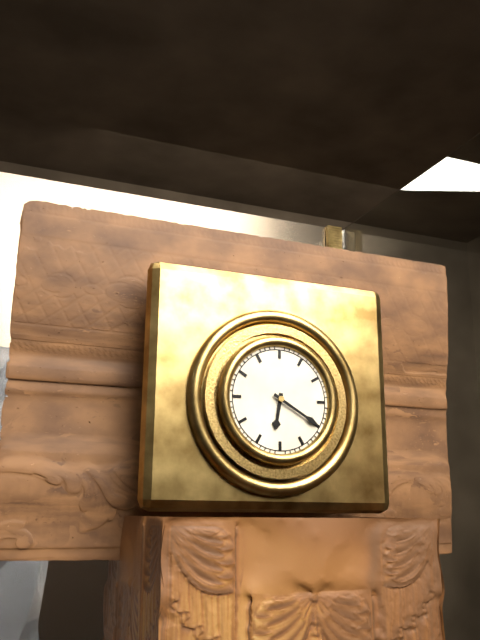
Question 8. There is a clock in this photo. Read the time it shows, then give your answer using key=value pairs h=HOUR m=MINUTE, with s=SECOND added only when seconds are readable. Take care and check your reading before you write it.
h=6 m=20
